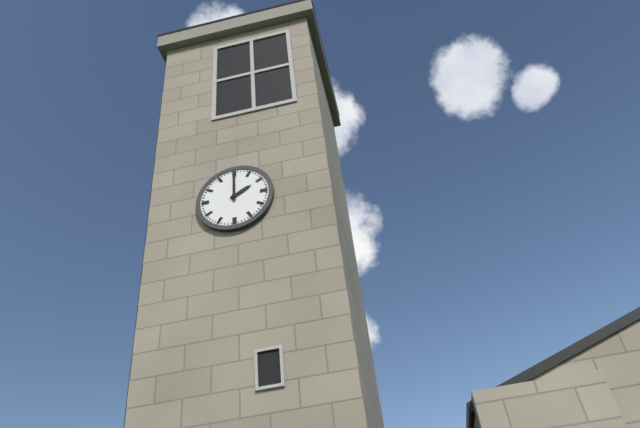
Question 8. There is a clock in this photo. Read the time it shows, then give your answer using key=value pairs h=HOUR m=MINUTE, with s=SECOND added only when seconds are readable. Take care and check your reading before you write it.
h=2 m=0
